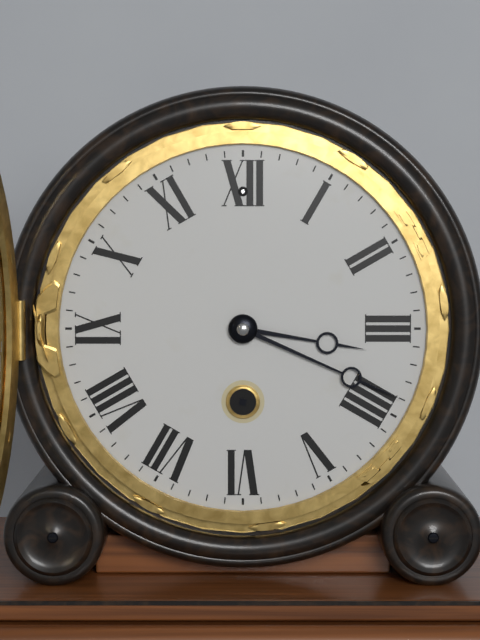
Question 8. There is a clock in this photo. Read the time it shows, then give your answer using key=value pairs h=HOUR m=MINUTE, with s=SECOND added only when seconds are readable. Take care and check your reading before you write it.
h=3 m=19
